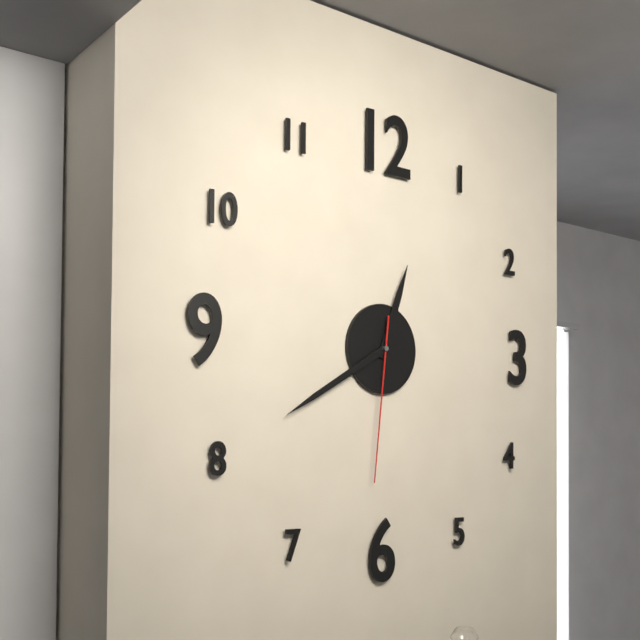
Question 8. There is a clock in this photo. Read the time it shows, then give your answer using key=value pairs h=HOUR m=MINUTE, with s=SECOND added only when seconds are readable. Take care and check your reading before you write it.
h=12 m=40 s=31
